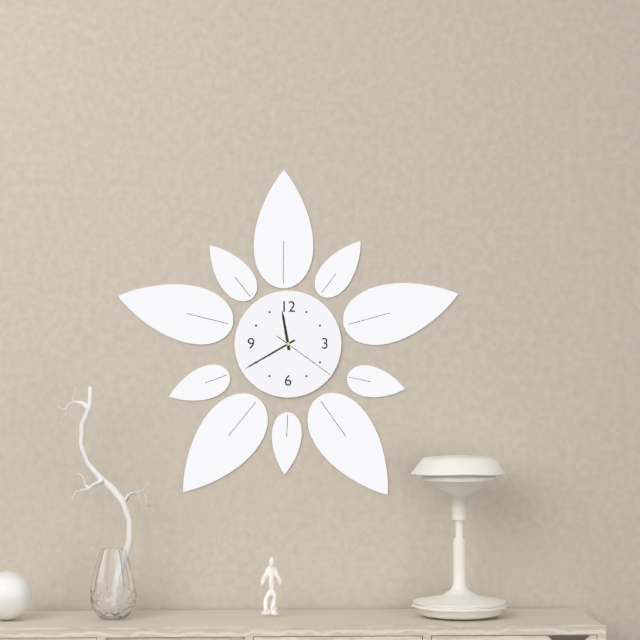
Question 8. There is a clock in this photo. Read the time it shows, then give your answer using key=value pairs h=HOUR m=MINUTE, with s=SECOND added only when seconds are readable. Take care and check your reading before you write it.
h=11 m=40 s=21
